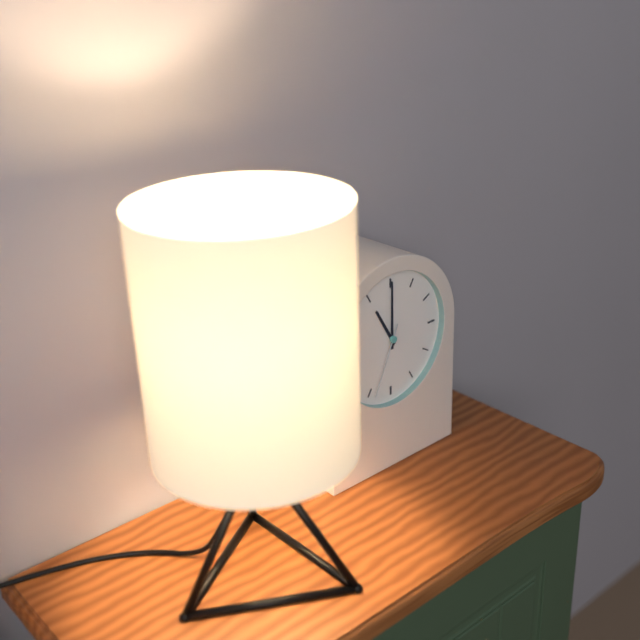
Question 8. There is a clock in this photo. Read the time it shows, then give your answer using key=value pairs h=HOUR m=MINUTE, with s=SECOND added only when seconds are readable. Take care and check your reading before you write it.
h=11 m=0 s=34
